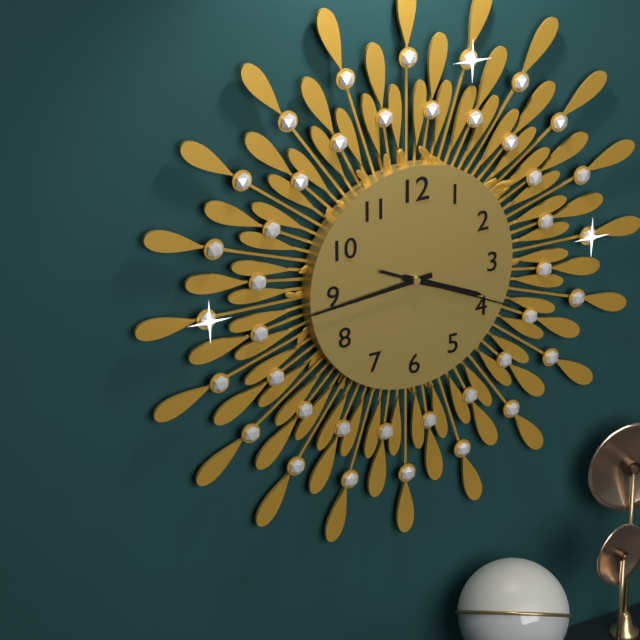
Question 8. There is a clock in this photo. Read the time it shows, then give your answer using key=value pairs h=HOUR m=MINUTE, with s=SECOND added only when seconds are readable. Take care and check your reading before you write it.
h=3 m=44 s=19
